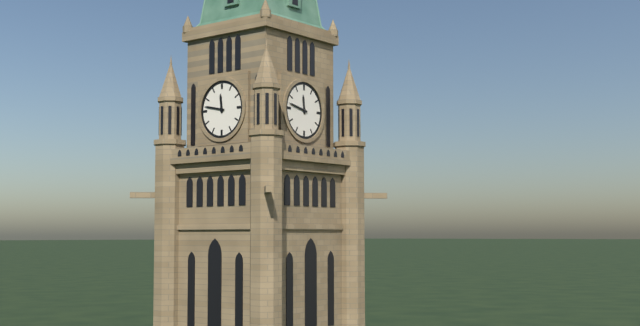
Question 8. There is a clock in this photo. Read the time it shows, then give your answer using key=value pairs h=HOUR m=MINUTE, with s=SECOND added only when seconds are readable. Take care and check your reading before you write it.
h=11 m=47
